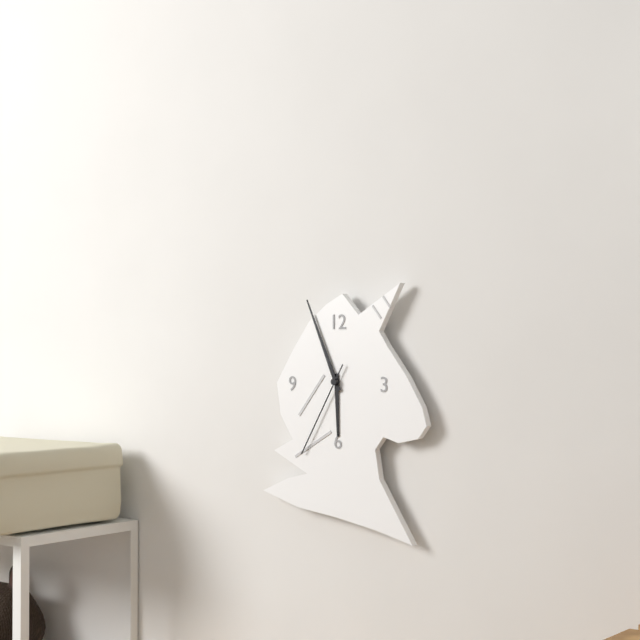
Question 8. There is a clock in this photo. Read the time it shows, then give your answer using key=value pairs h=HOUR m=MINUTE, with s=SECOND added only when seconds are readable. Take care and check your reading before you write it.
h=5 m=56 s=35
